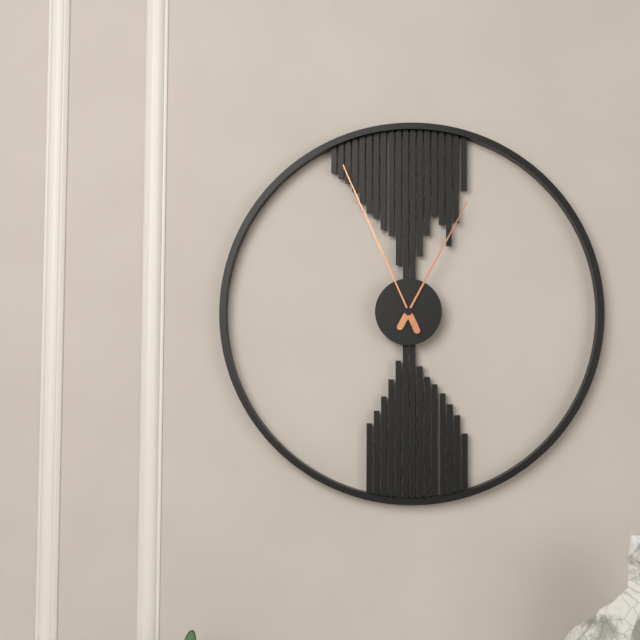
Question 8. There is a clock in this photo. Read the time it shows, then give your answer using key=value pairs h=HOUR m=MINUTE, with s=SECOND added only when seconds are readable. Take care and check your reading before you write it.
h=12 m=56
